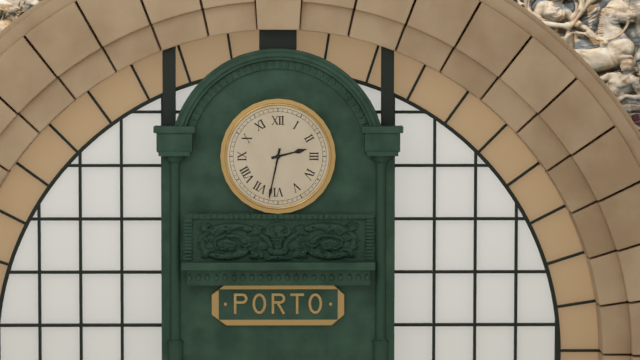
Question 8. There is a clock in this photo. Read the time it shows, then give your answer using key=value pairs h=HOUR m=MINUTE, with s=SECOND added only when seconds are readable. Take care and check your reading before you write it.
h=2 m=32
